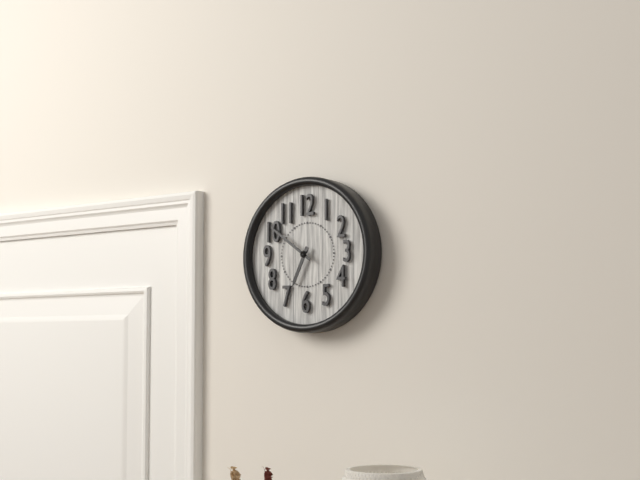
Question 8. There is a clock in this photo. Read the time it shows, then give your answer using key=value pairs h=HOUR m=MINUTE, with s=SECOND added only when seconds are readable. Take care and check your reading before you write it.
h=6 m=51
